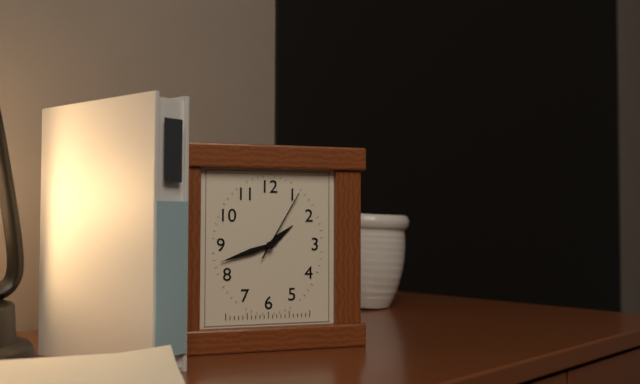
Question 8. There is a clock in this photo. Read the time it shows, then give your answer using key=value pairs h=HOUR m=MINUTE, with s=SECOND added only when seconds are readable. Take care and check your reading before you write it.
h=1 m=42 s=5
